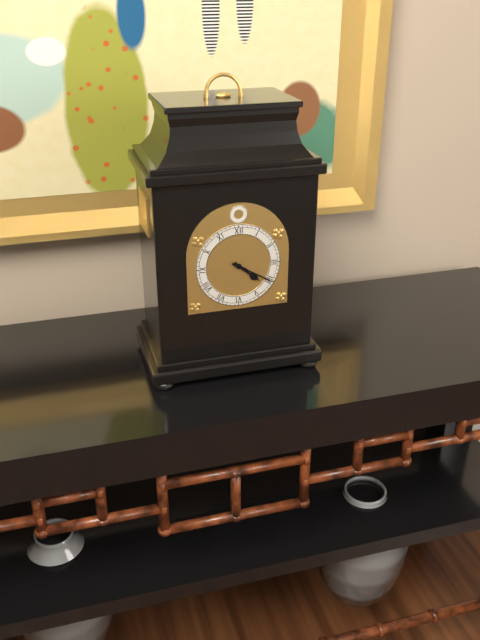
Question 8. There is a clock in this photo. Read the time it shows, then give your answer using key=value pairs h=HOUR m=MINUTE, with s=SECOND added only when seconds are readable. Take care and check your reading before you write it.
h=4 m=20
